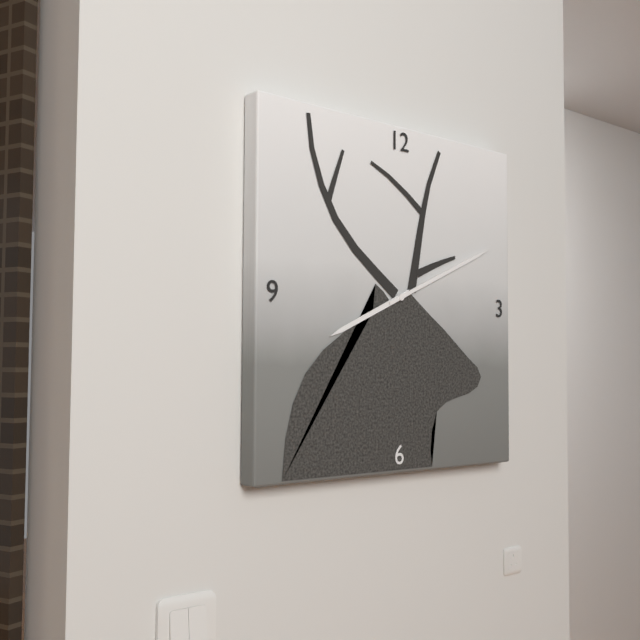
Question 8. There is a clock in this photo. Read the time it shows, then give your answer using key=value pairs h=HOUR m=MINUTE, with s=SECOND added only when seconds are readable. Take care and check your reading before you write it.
h=8 m=11
